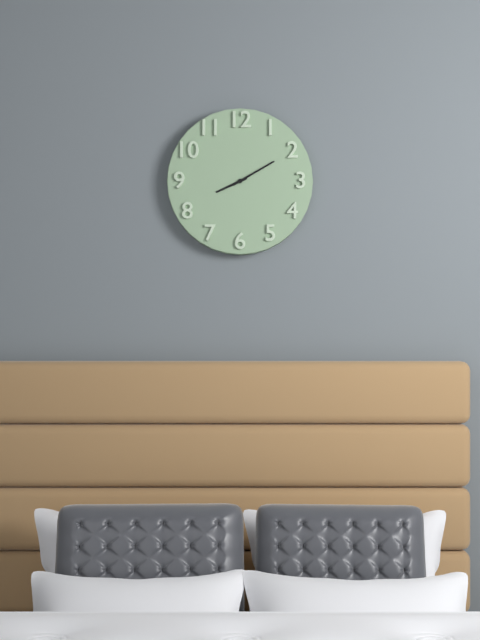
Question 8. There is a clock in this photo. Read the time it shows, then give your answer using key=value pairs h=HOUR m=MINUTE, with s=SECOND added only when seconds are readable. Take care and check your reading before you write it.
h=8 m=10
